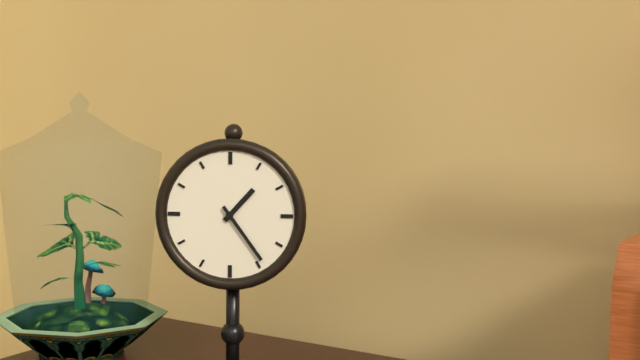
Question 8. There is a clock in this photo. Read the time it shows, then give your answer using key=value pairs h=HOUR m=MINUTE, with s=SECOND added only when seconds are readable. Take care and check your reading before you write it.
h=1 m=24
